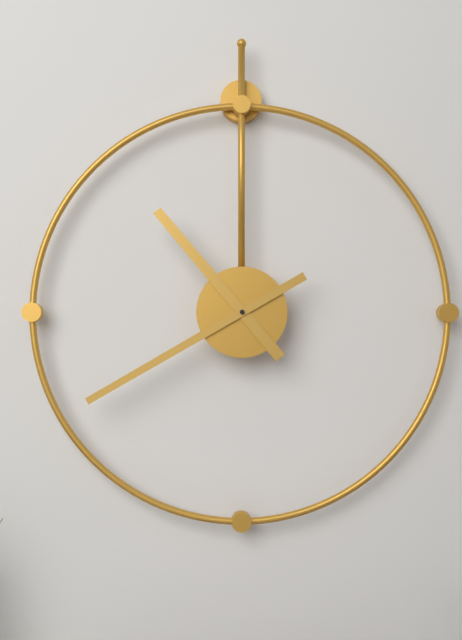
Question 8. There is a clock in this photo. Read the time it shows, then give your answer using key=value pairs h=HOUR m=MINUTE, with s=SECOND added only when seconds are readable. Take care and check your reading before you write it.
h=10 m=40
